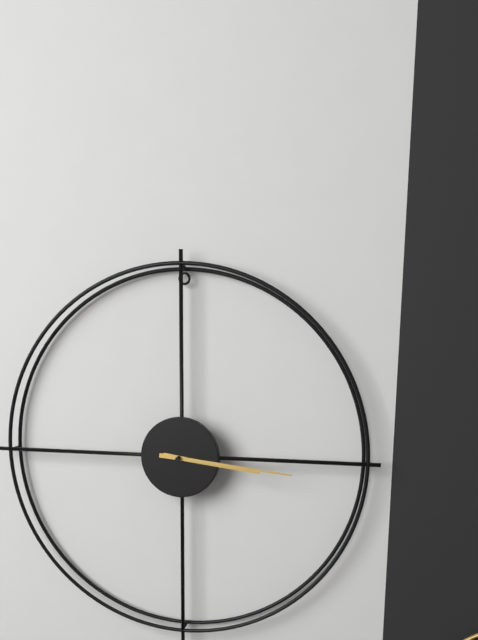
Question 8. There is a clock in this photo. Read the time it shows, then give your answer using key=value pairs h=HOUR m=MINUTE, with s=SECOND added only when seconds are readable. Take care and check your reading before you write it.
h=3 m=16
